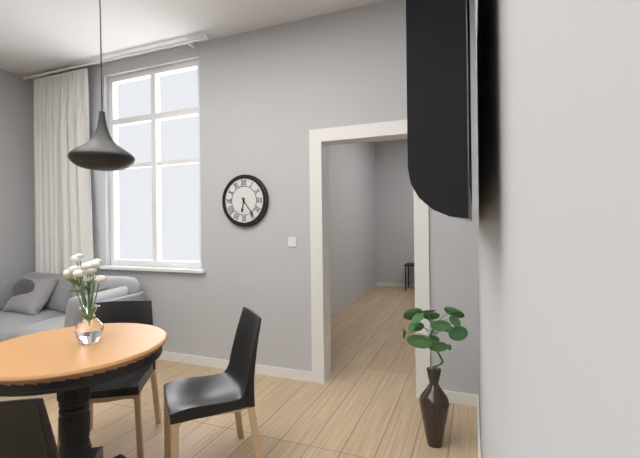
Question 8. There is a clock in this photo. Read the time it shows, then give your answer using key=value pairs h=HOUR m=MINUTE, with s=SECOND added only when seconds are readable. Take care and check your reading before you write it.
h=6 m=24
